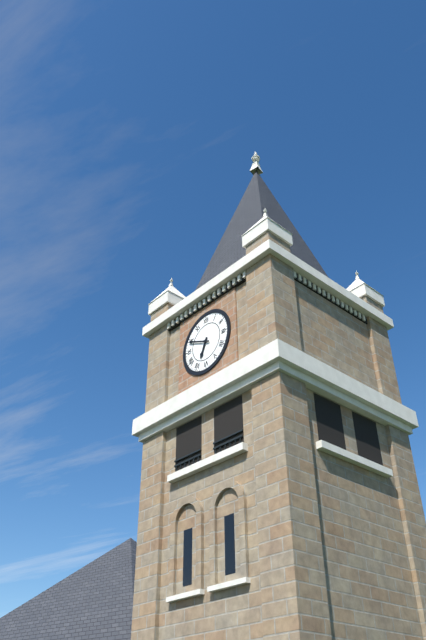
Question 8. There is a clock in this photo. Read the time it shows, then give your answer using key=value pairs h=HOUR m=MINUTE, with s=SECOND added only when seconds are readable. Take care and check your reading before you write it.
h=6 m=49
